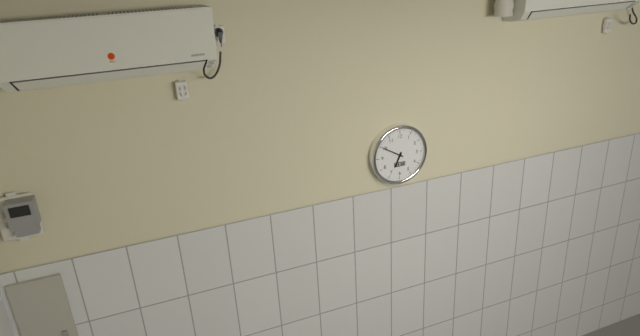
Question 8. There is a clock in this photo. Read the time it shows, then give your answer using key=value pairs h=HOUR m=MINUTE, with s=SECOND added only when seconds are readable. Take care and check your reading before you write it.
h=6 m=50
